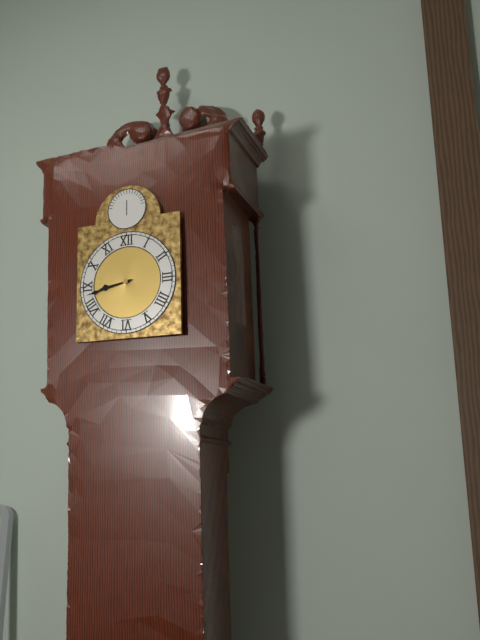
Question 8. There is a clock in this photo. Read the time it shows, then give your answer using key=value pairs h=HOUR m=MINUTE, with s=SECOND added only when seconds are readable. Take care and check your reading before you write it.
h=8 m=43
